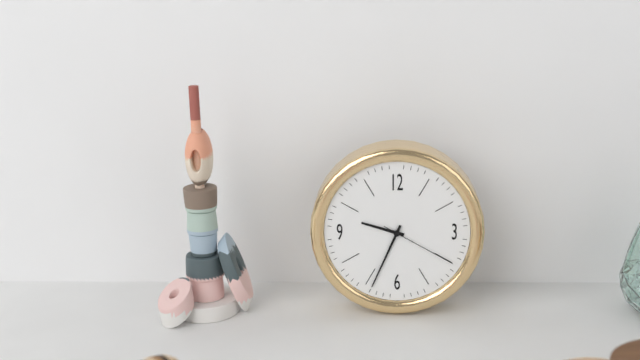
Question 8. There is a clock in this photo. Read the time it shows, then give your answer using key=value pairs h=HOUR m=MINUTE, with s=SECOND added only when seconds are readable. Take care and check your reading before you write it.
h=9 m=34 s=20
